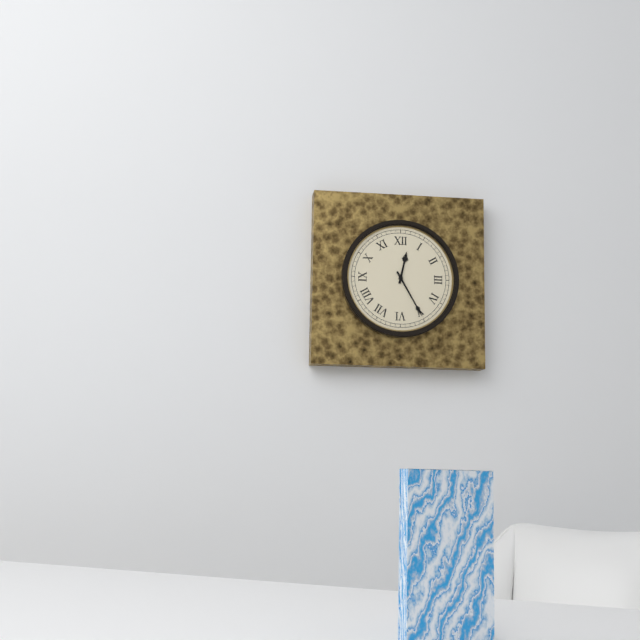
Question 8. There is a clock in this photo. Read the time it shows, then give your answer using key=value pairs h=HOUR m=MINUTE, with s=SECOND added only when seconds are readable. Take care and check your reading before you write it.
h=12 m=25
